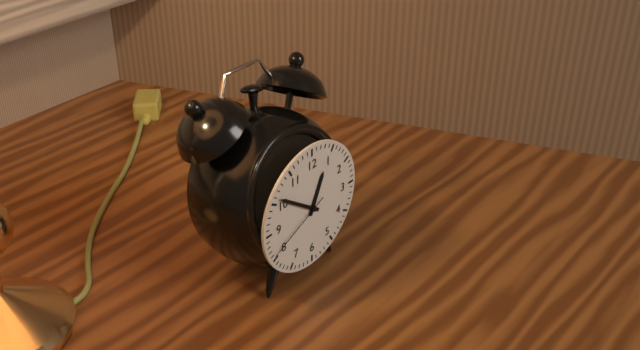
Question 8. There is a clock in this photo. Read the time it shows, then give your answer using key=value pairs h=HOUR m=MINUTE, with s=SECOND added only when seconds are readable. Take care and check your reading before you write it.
h=12 m=51 s=41
